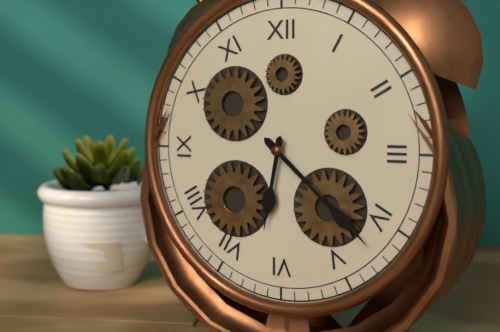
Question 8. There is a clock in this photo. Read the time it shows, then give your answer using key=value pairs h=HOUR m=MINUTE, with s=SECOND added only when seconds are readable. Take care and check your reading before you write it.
h=6 m=22
